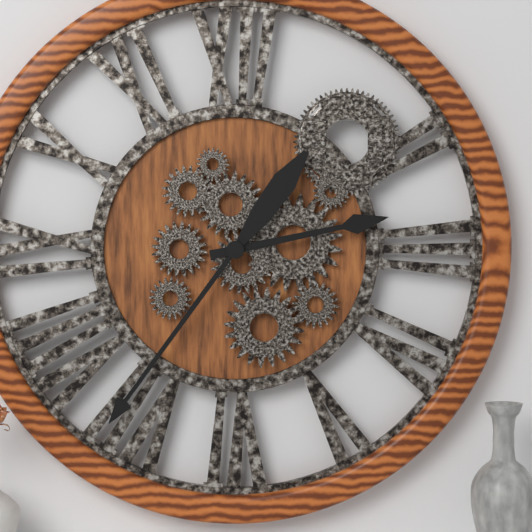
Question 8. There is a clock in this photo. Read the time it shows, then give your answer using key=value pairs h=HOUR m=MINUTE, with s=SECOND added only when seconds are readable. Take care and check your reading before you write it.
h=2 m=36
